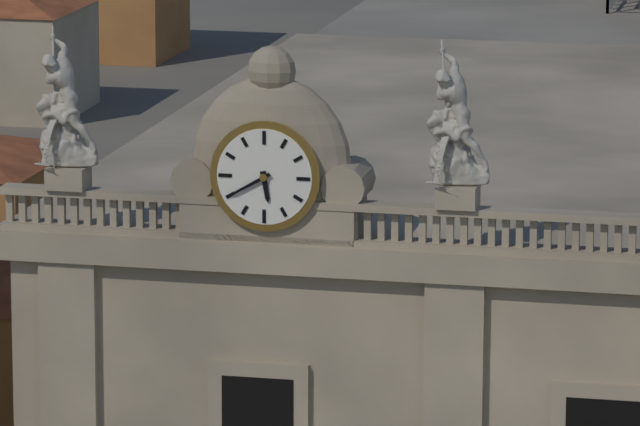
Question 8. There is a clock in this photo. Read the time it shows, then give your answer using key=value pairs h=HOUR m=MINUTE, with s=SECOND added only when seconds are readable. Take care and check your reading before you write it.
h=5 m=40
